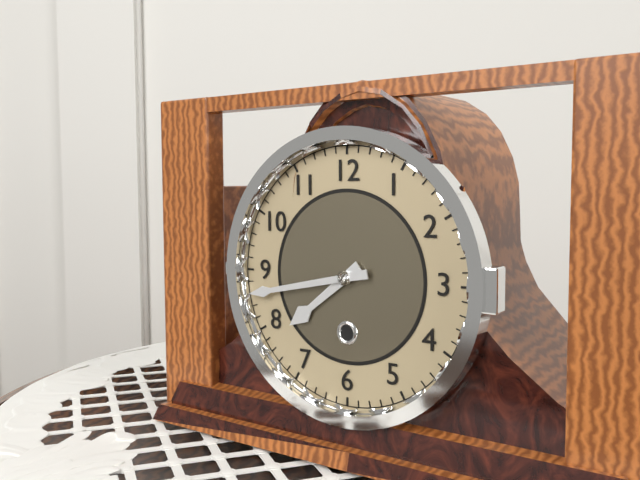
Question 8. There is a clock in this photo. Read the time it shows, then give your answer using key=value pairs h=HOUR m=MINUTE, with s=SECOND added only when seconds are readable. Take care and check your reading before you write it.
h=7 m=43
